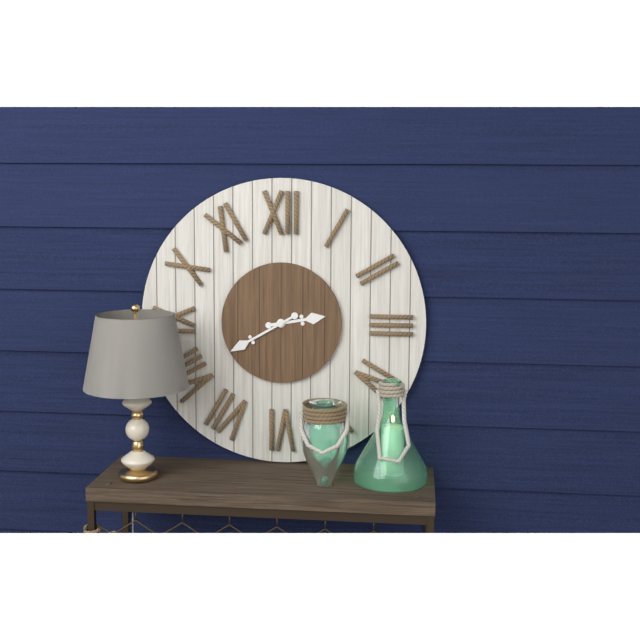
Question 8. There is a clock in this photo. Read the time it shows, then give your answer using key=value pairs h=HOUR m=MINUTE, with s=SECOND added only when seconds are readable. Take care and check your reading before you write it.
h=2 m=40
